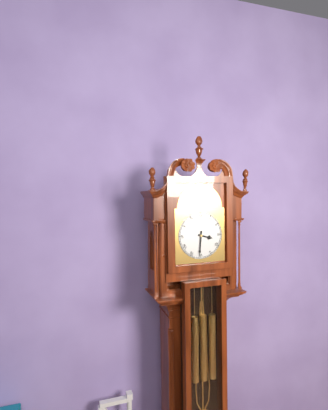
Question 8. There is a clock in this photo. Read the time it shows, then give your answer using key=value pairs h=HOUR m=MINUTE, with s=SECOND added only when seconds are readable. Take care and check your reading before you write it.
h=3 m=31
